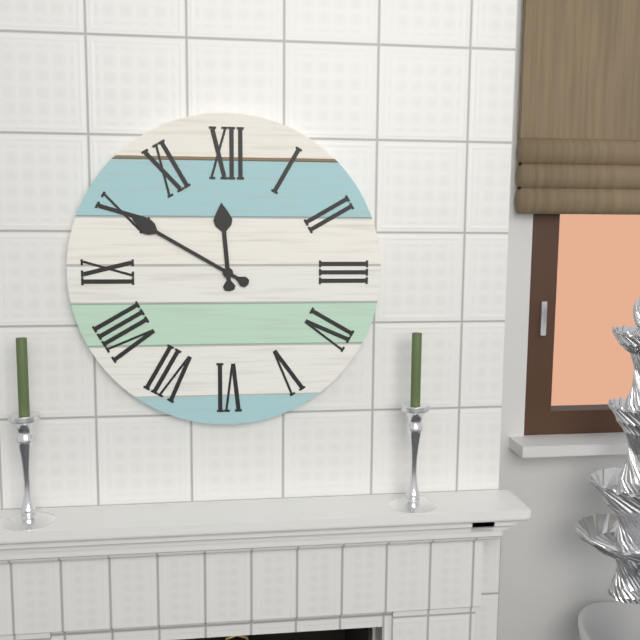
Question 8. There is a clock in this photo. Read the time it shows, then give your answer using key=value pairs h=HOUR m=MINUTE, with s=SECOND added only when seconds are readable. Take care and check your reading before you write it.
h=11 m=50
